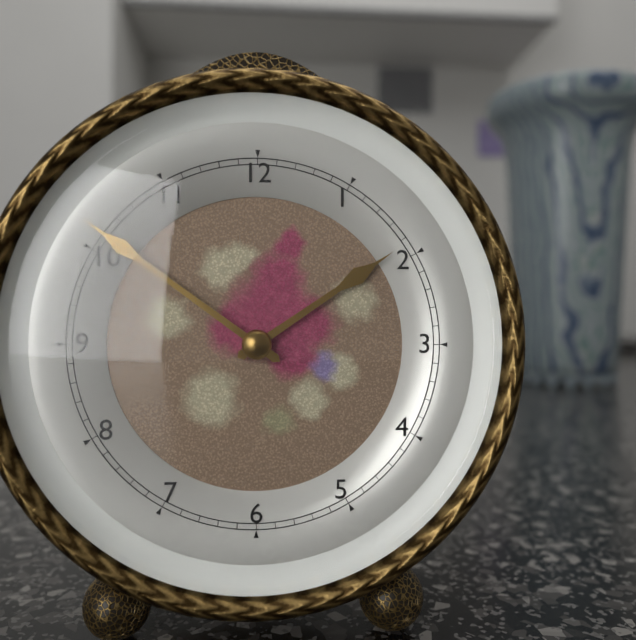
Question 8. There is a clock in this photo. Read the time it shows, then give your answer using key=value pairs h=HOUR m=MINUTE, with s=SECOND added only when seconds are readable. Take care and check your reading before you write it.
h=1 m=51
